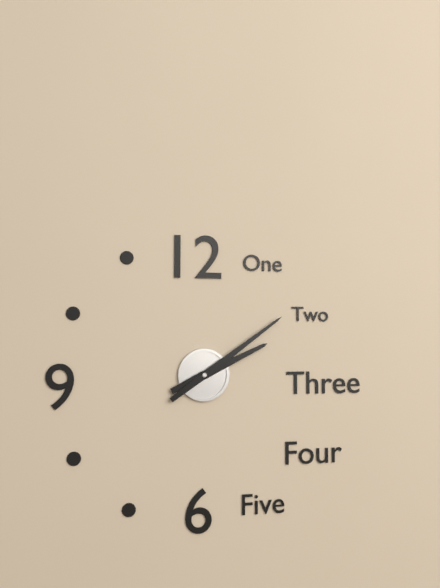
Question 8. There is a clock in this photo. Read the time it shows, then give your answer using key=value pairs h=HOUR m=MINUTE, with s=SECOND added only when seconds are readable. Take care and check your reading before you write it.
h=2 m=9
